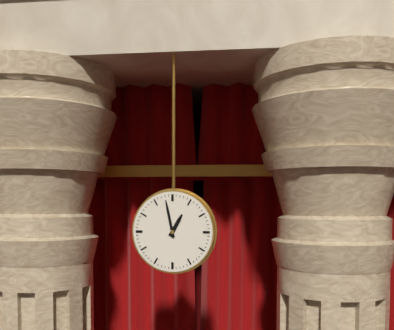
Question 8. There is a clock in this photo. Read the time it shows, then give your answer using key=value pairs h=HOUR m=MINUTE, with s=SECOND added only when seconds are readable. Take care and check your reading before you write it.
h=12 m=58
